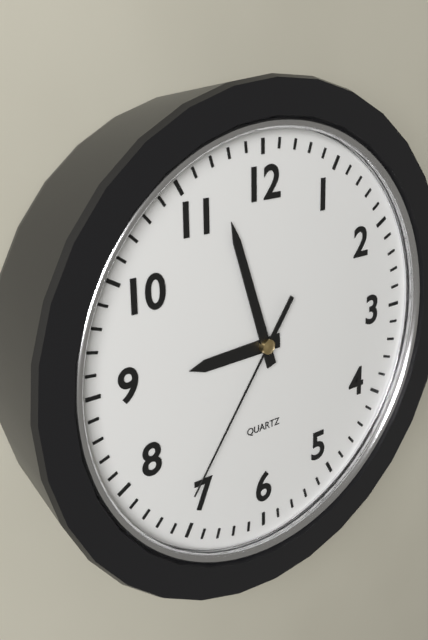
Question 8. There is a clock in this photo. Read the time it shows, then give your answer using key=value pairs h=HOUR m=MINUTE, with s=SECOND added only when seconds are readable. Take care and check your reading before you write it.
h=8 m=57 s=36
